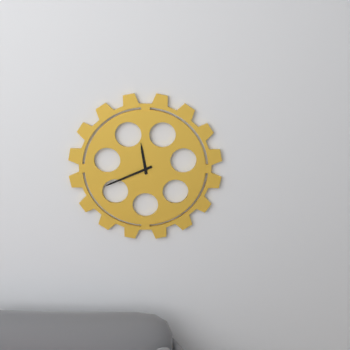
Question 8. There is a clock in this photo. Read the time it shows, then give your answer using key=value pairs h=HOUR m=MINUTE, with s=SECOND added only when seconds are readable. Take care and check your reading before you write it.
h=11 m=41
